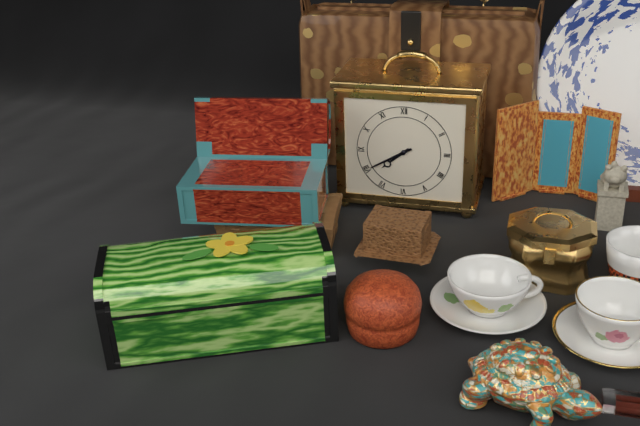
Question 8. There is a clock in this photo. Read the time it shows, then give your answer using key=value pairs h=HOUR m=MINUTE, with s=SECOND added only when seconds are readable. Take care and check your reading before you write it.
h=7 m=40
